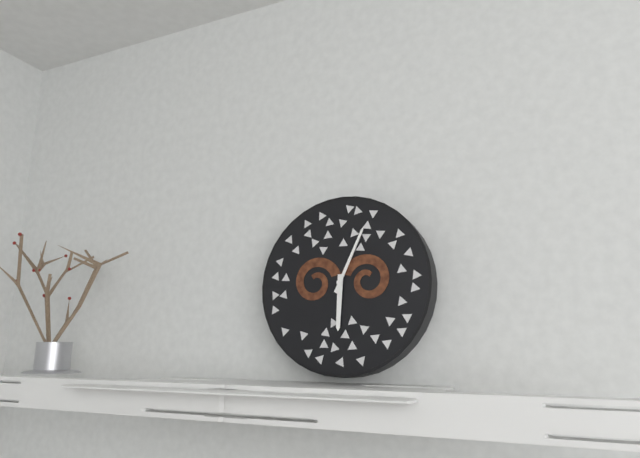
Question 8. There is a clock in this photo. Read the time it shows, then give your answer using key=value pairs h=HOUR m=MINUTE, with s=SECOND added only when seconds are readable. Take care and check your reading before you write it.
h=6 m=4
